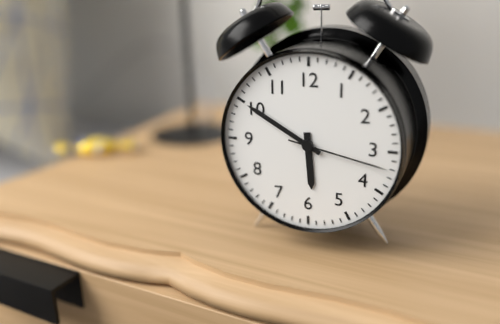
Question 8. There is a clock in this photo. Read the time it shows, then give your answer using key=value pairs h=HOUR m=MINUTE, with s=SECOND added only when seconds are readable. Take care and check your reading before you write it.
h=5 m=50 s=17
